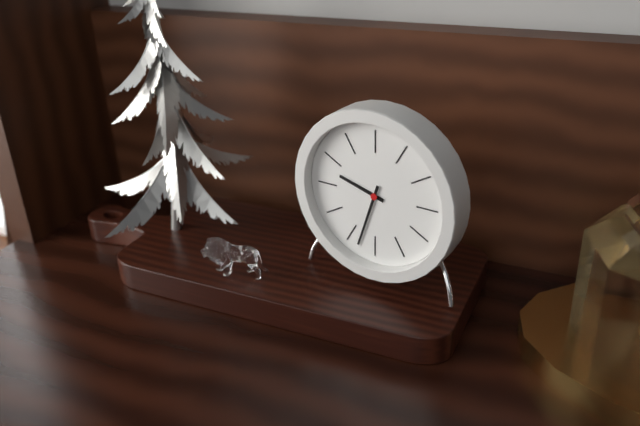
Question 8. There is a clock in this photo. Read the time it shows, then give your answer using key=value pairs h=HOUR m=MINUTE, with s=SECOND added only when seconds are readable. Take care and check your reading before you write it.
h=9 m=33
